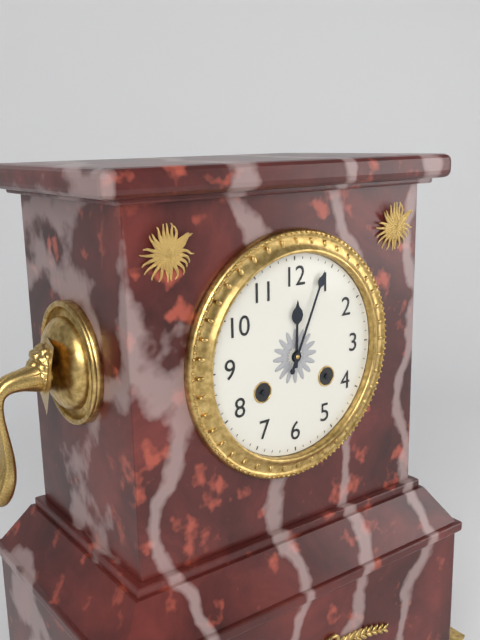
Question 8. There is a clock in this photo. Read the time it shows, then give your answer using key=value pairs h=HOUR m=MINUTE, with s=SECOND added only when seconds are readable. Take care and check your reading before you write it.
h=12 m=4
